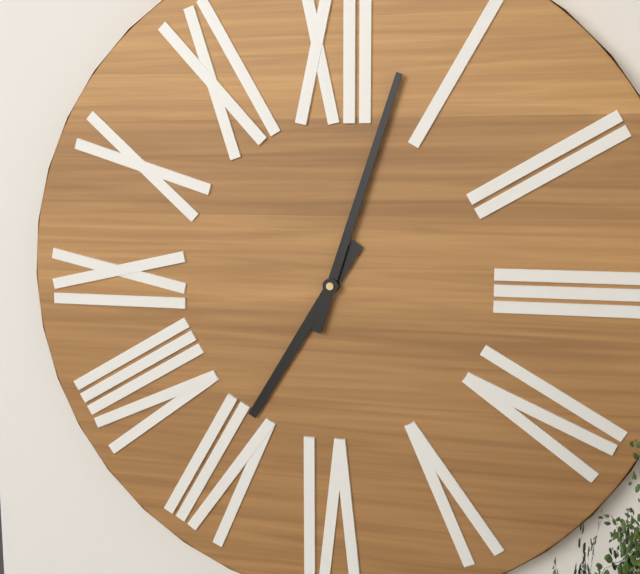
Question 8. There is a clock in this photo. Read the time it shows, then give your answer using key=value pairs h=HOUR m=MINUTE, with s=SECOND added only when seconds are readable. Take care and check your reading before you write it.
h=7 m=3
